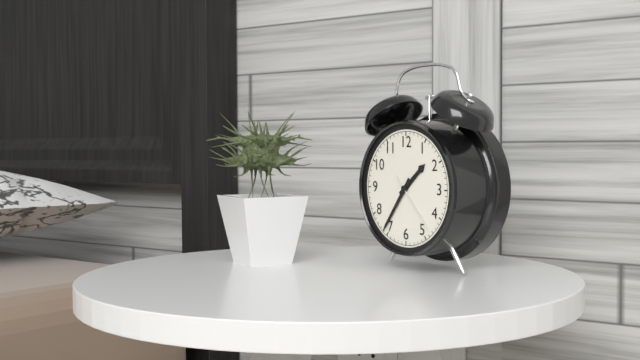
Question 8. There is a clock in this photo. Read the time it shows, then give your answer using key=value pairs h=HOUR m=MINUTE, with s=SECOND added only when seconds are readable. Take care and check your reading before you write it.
h=1 m=36 s=23
